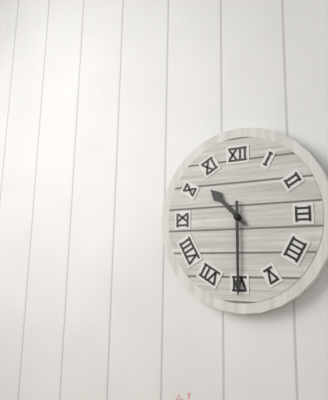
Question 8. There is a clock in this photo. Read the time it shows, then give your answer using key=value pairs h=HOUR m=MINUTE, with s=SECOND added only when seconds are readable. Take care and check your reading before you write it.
h=10 m=30
